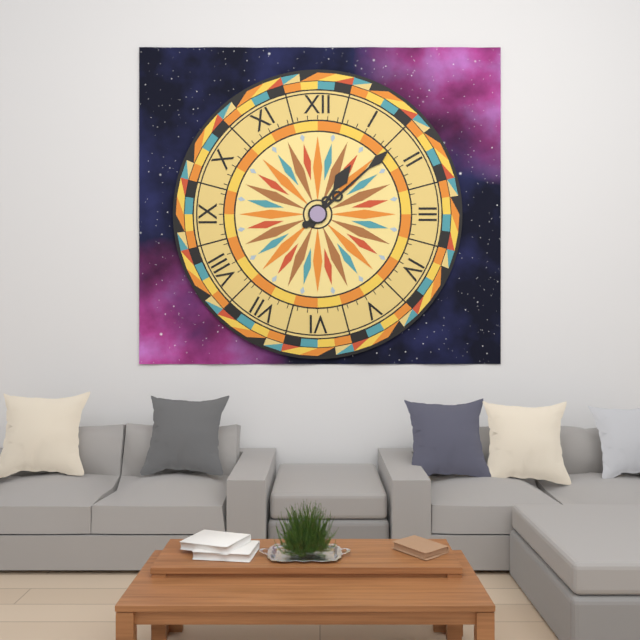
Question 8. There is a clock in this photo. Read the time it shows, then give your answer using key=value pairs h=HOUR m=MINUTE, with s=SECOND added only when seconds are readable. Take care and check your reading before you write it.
h=1 m=8
